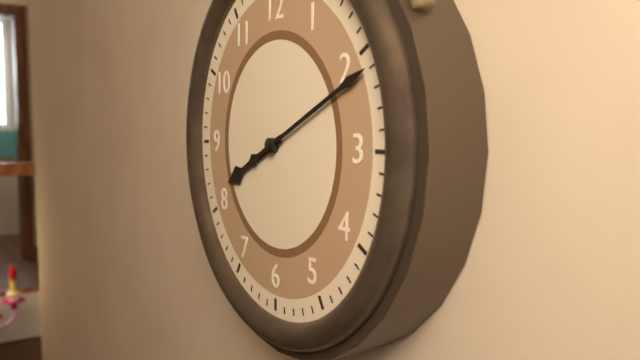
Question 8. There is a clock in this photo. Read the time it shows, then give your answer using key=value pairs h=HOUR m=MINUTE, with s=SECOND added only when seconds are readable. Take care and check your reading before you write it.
h=8 m=11
